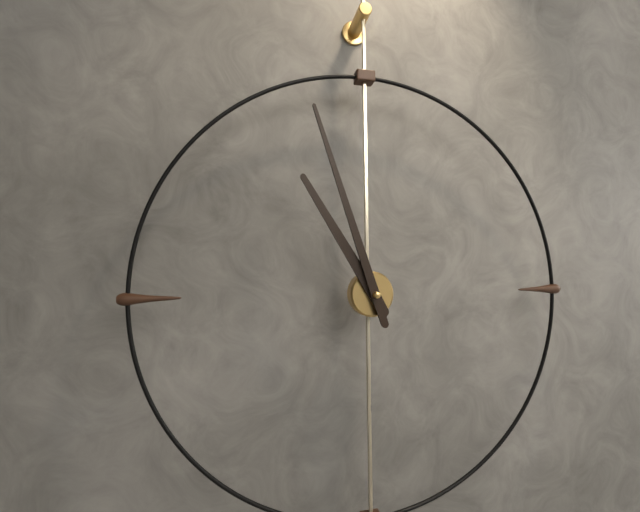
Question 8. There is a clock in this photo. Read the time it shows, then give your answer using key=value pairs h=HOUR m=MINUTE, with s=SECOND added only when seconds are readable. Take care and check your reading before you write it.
h=10 m=57
